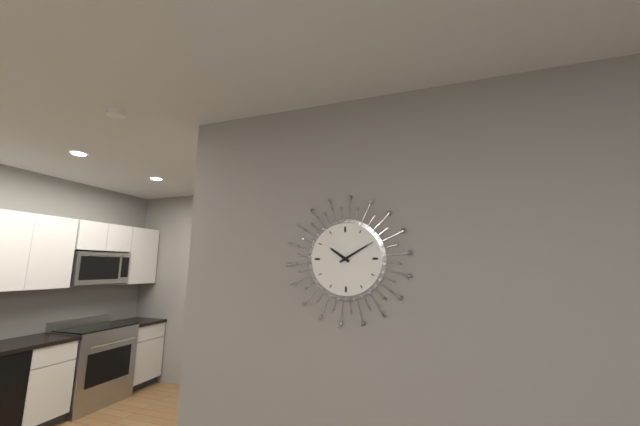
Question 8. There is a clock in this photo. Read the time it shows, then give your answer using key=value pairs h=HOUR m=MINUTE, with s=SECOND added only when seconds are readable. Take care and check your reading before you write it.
h=10 m=10
